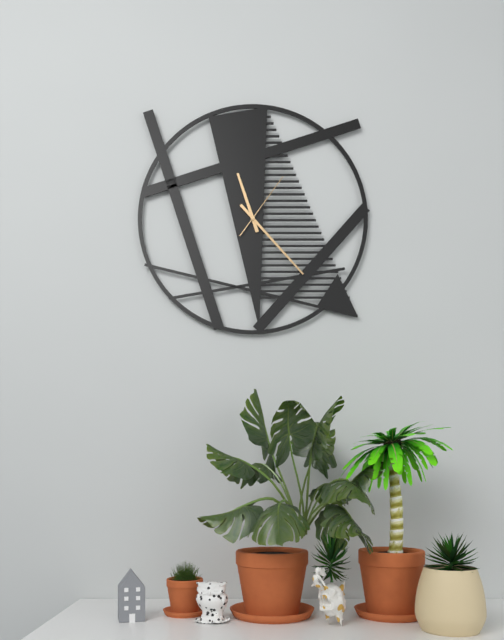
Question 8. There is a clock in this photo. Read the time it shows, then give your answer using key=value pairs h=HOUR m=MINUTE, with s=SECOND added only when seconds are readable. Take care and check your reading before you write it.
h=11 m=23 s=6
